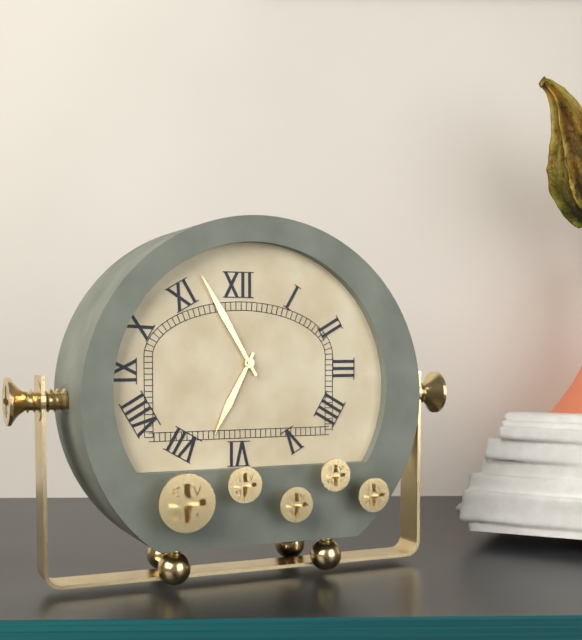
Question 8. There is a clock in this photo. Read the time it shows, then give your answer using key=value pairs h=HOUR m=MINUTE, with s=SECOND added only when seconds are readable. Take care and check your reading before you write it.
h=6 m=55
